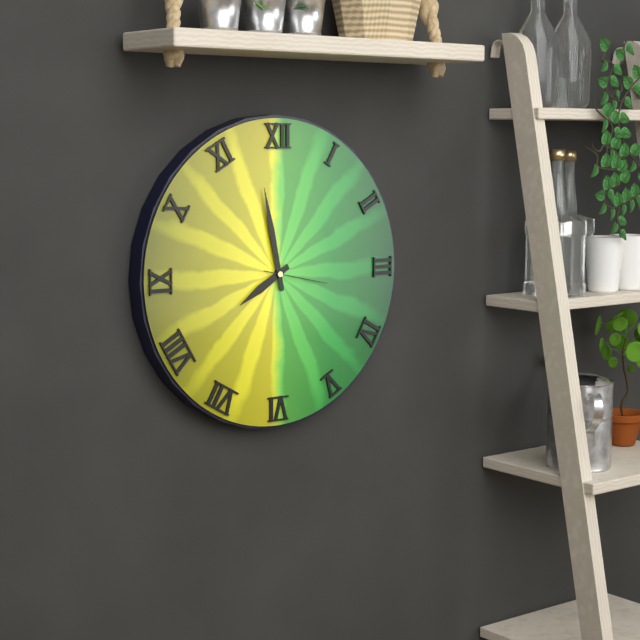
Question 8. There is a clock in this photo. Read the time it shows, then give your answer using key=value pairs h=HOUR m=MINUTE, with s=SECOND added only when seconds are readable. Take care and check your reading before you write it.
h=7 m=58 s=17
